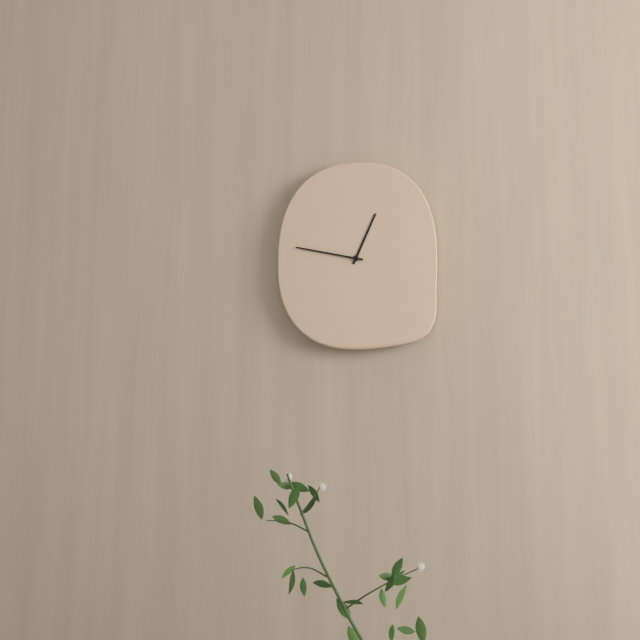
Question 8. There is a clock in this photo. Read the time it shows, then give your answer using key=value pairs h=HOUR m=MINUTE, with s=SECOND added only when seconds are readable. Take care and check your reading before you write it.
h=12 m=47
